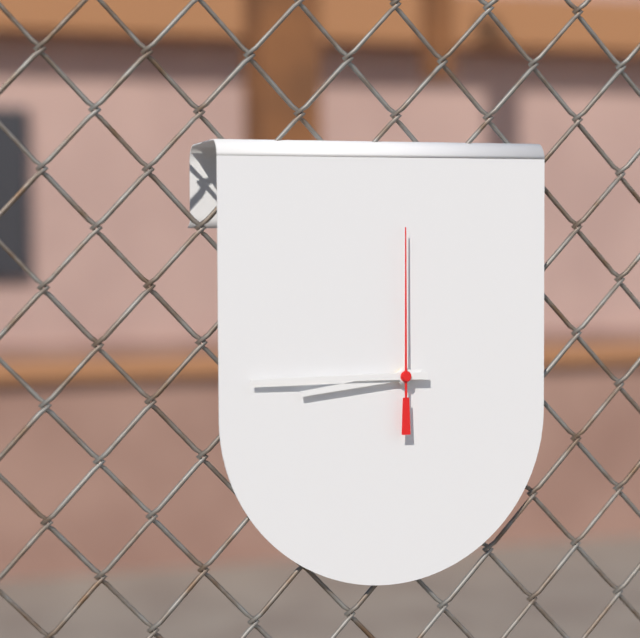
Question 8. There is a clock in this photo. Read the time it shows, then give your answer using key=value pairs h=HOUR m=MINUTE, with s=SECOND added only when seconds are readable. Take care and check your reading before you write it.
h=8 m=45 s=0
